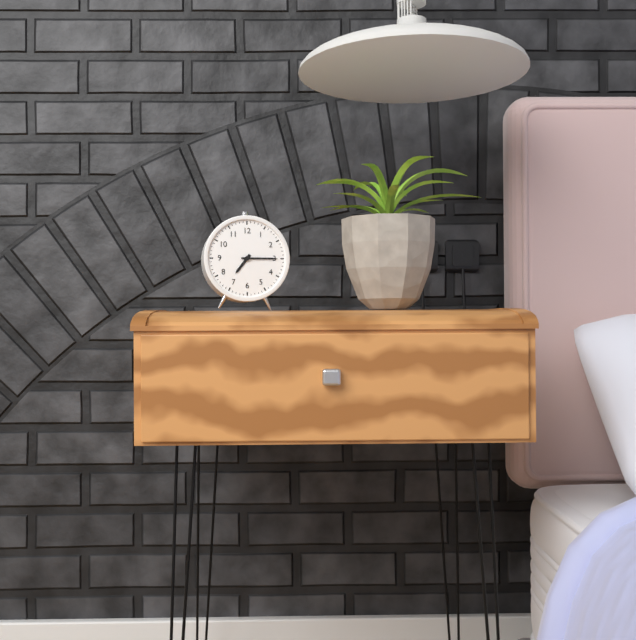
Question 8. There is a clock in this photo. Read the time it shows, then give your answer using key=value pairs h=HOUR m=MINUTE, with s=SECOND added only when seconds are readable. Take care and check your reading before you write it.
h=7 m=15
